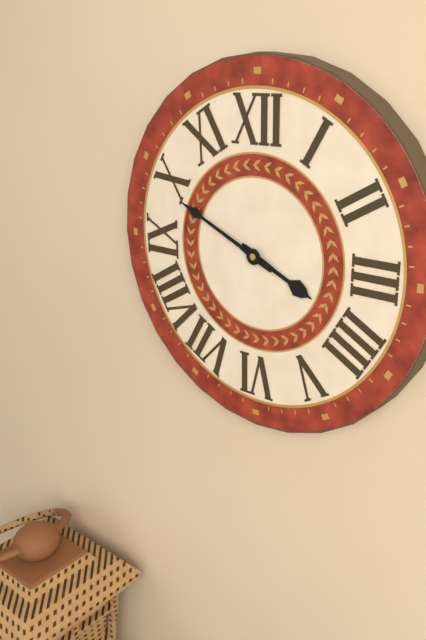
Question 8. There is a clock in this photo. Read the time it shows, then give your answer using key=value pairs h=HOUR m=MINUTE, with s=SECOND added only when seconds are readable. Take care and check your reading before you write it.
h=3 m=49
